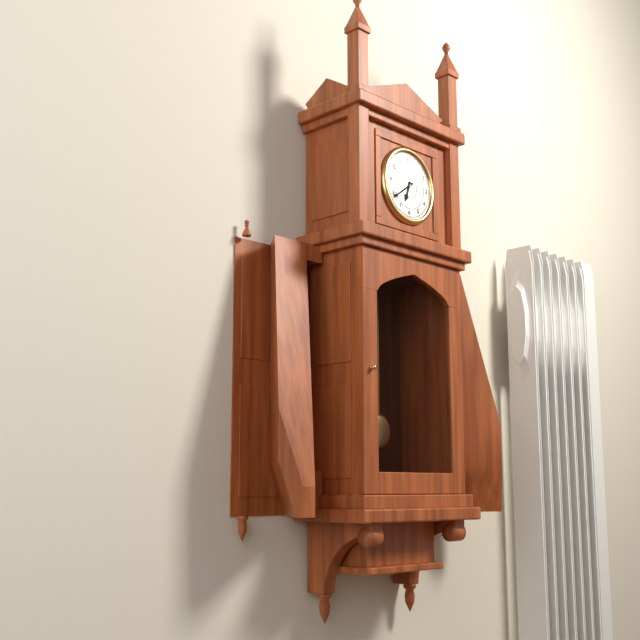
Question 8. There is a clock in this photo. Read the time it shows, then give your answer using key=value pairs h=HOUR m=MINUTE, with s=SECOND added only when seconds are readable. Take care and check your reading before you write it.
h=6 m=39
